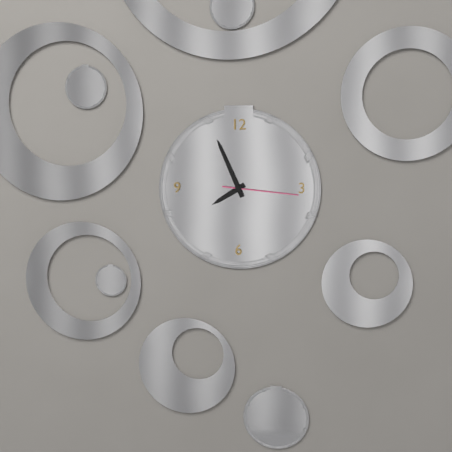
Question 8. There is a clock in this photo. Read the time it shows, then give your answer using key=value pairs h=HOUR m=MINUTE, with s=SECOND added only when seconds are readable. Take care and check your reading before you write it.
h=7 m=56 s=16
